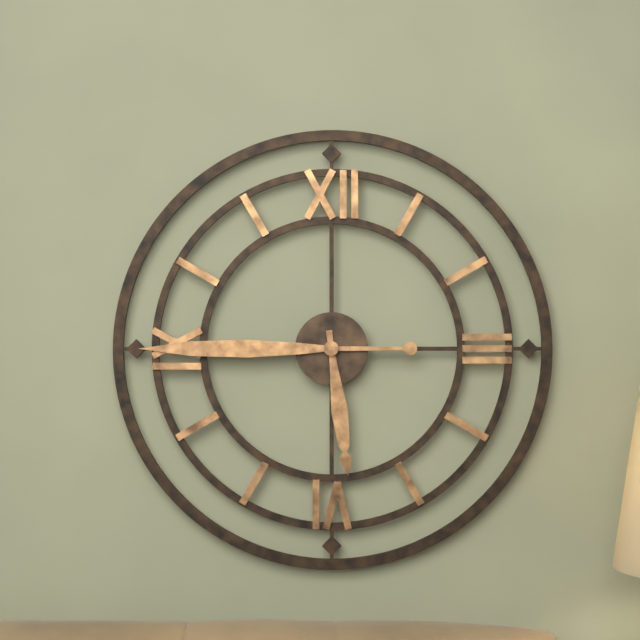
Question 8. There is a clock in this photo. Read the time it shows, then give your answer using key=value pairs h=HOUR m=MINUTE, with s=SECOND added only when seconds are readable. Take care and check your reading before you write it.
h=5 m=45
